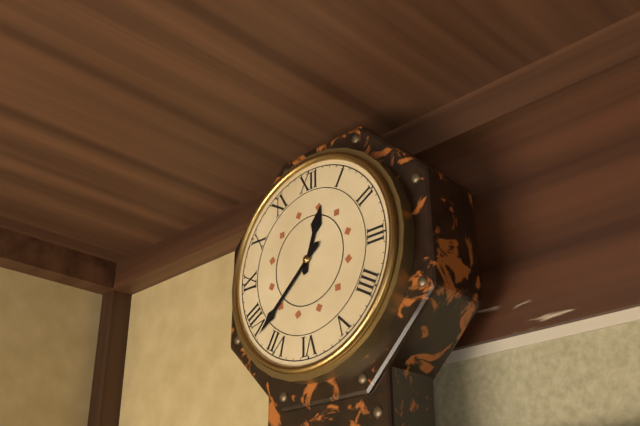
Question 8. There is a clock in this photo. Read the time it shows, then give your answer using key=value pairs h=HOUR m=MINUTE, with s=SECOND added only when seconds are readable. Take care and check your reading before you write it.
h=12 m=38
